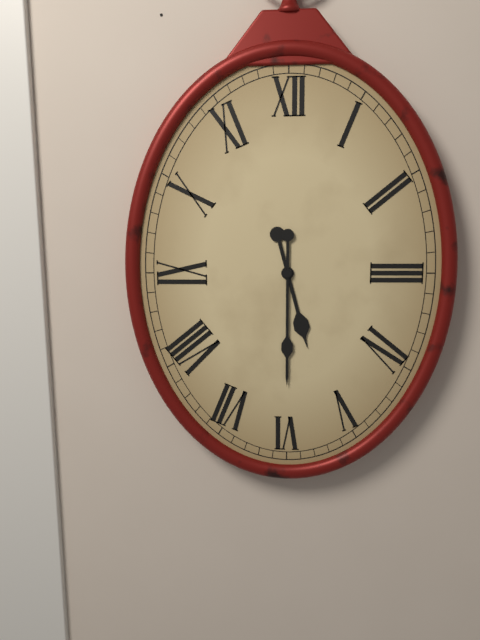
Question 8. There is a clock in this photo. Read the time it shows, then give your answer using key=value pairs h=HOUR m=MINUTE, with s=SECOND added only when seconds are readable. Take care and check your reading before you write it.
h=5 m=30
